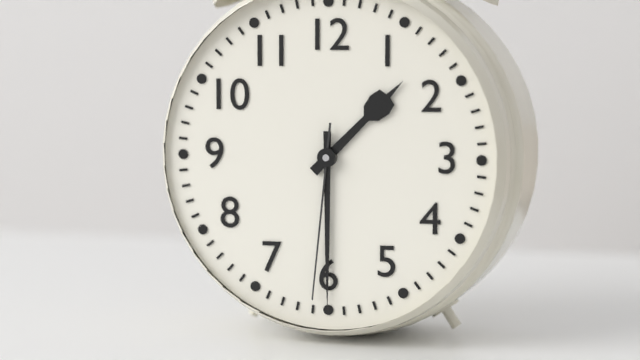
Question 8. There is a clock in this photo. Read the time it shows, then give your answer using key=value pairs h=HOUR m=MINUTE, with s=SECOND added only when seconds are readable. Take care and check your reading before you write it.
h=1 m=30 s=31
